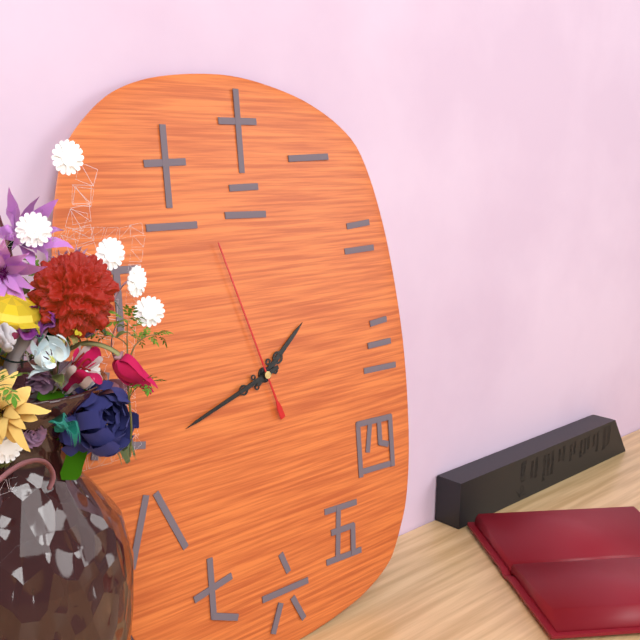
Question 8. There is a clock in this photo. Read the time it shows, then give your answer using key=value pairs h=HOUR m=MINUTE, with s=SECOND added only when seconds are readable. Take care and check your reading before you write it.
h=1 m=42 s=57
